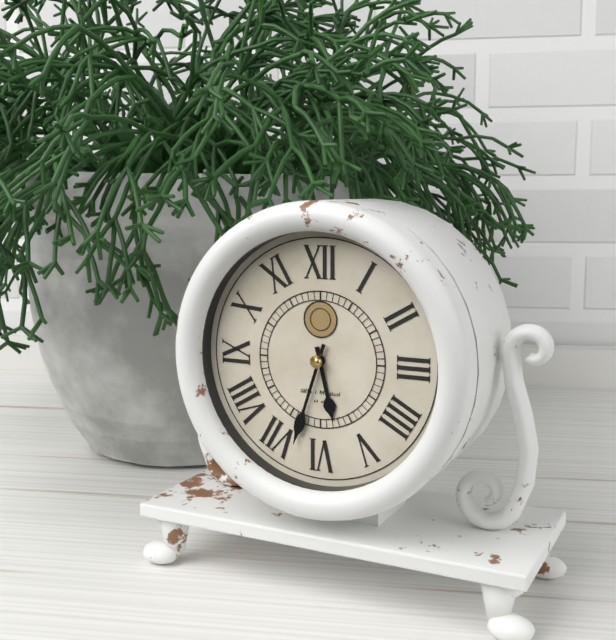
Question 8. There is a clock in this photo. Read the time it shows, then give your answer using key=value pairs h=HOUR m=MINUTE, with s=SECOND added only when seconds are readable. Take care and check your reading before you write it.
h=5 m=33
